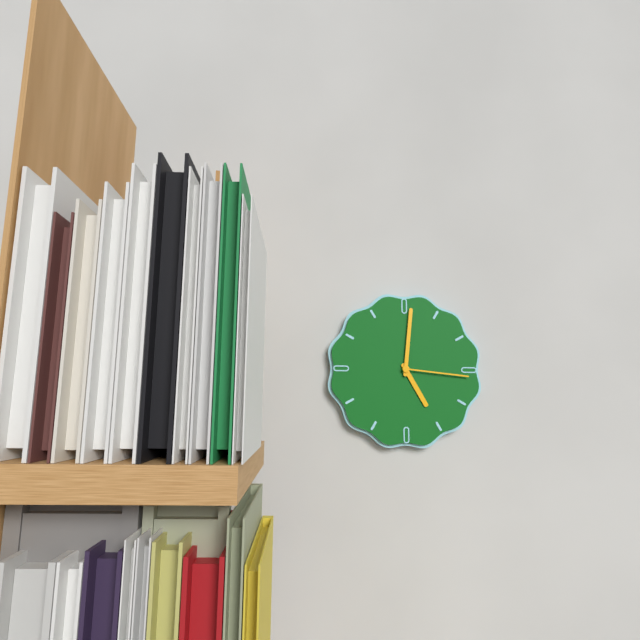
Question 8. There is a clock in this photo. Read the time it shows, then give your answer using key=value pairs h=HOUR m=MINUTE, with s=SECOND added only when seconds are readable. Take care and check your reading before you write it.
h=5 m=1 s=16
